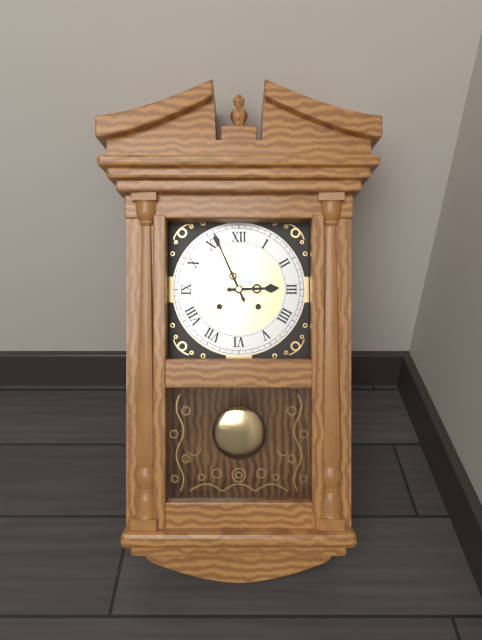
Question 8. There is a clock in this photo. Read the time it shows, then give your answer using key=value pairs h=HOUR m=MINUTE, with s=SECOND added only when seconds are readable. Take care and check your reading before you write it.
h=2 m=56
